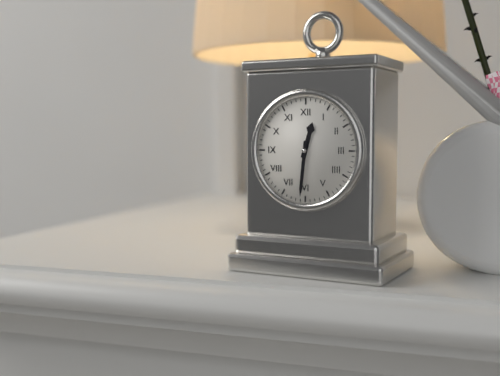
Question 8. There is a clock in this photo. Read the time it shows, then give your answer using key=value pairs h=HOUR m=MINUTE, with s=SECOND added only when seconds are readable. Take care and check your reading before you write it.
h=12 m=31
